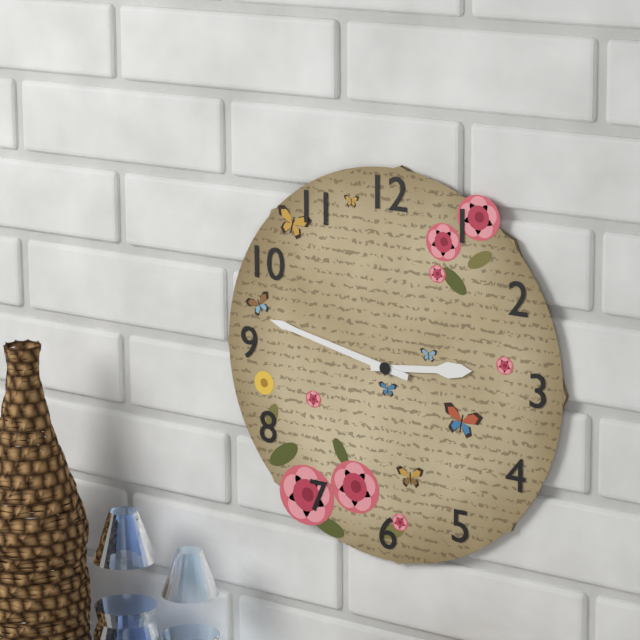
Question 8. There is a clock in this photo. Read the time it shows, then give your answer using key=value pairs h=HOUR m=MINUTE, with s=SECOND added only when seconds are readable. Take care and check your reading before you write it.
h=2 m=47
